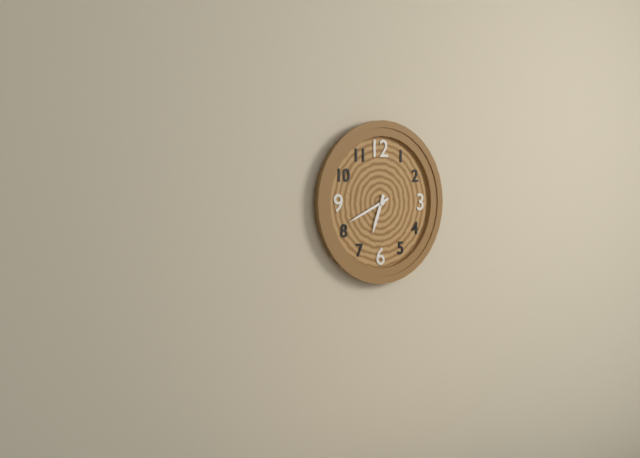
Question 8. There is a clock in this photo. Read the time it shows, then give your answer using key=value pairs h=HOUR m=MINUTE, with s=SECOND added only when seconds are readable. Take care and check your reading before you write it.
h=6 m=41
